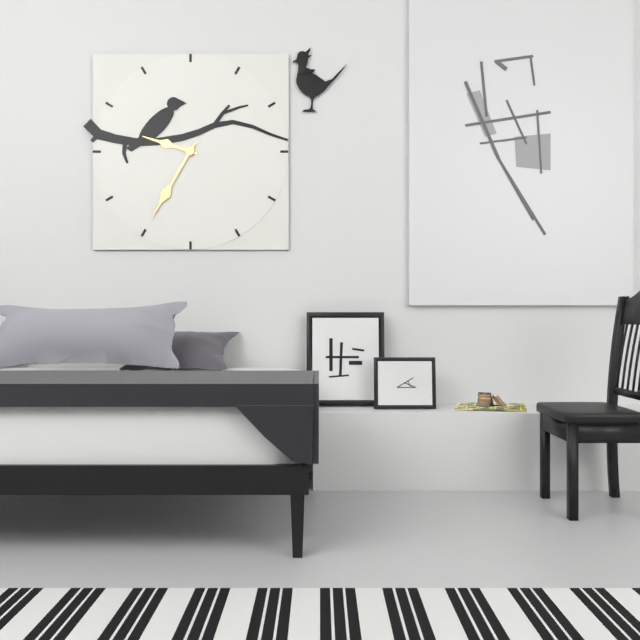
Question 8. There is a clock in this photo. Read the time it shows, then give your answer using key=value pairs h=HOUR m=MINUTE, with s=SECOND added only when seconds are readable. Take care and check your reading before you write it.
h=9 m=35
